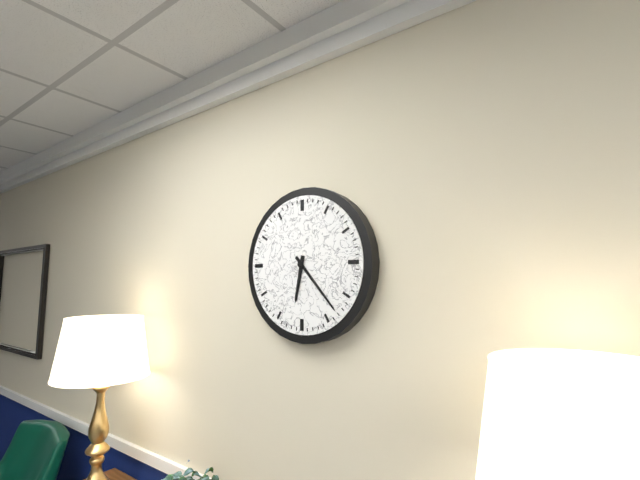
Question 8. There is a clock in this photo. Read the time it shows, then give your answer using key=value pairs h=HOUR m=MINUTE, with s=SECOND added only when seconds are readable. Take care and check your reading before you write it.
h=6 m=23
